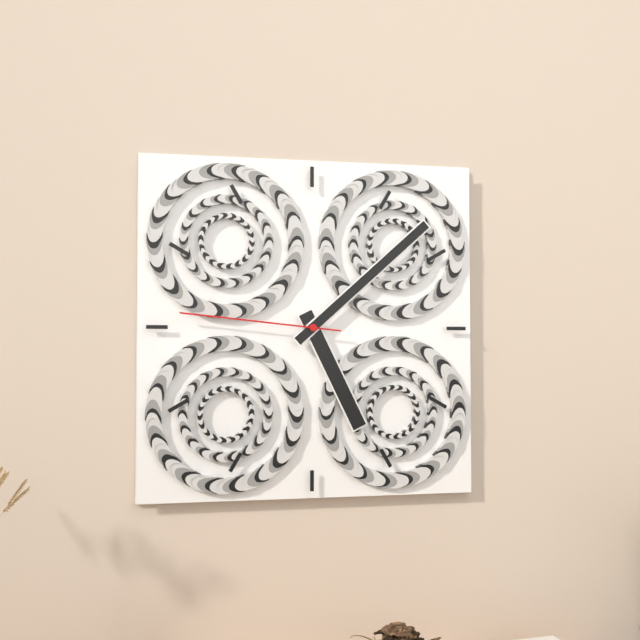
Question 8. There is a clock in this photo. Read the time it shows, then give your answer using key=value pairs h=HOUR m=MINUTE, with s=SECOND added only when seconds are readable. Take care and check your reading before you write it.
h=5 m=8 s=46
